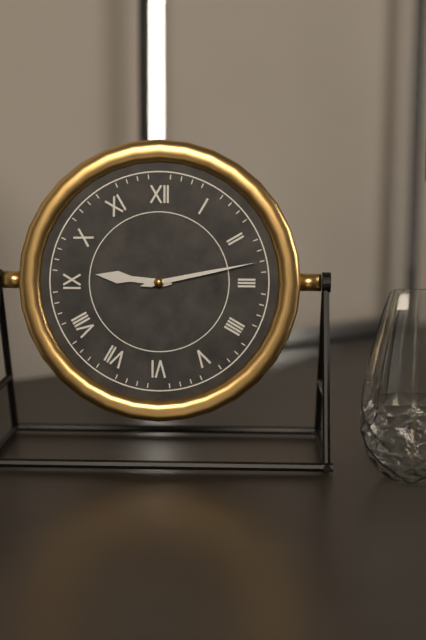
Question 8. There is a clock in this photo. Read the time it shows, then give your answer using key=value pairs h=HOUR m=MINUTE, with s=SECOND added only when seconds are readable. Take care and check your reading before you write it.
h=9 m=13
